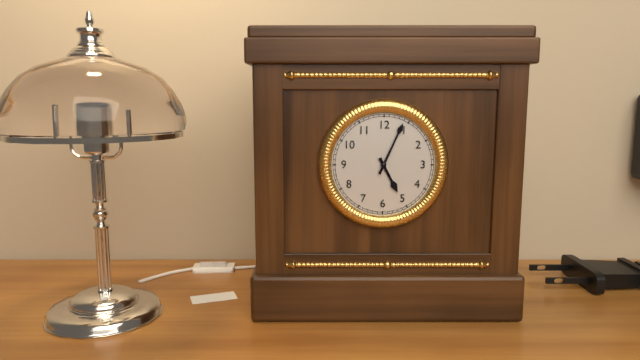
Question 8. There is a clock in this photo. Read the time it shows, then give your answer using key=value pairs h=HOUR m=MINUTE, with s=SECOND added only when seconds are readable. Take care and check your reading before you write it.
h=5 m=4
